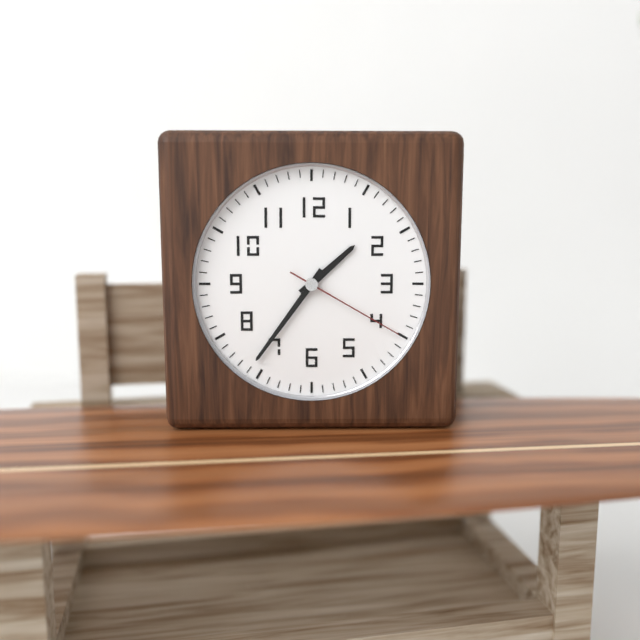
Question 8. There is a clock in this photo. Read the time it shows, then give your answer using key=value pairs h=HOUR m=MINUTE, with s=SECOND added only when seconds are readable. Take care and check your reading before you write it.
h=1 m=36 s=20
